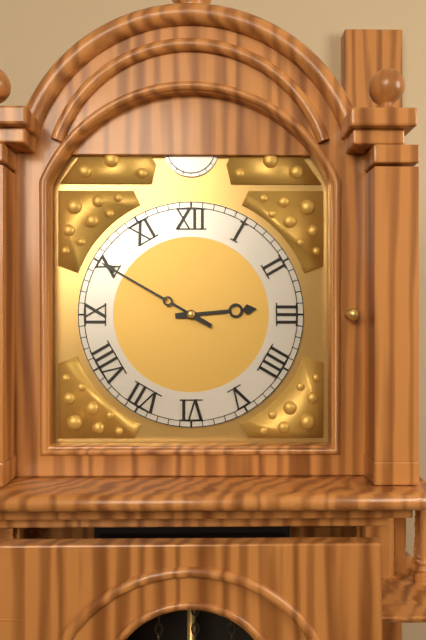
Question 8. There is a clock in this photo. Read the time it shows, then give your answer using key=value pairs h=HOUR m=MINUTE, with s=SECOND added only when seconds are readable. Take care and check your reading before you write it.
h=2 m=50
